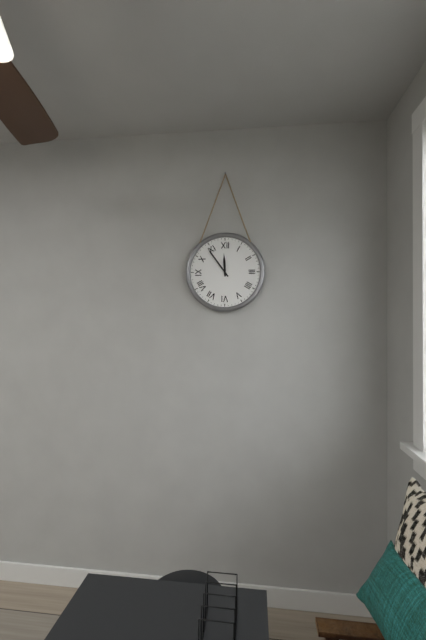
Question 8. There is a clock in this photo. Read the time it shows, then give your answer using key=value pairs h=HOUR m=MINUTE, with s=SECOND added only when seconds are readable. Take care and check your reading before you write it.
h=11 m=54
